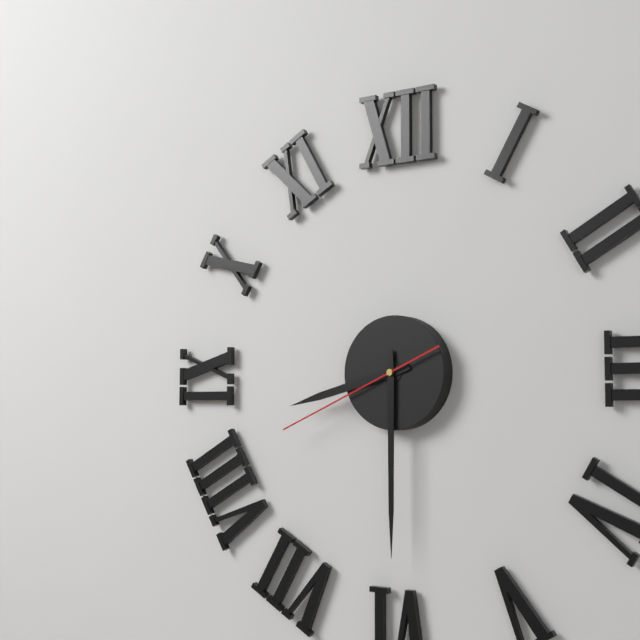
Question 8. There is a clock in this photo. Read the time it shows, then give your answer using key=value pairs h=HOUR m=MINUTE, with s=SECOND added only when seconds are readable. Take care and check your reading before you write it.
h=8 m=30 s=41
